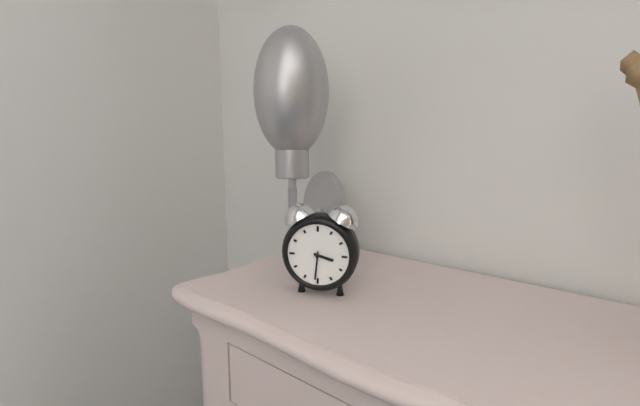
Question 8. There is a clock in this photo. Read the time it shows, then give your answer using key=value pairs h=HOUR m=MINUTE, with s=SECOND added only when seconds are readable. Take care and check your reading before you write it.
h=3 m=31
